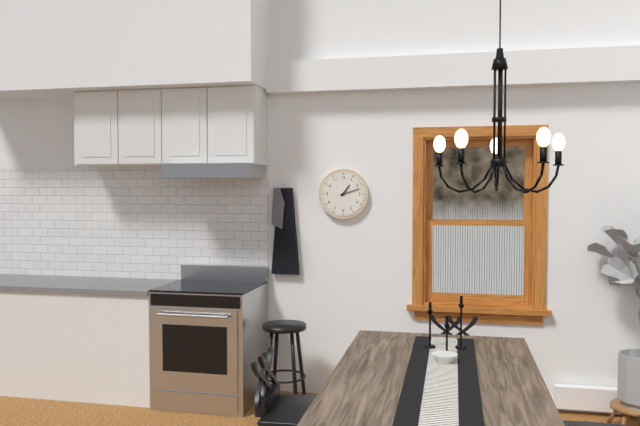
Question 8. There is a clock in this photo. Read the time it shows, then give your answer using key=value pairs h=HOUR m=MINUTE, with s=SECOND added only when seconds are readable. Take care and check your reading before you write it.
h=1 m=12
